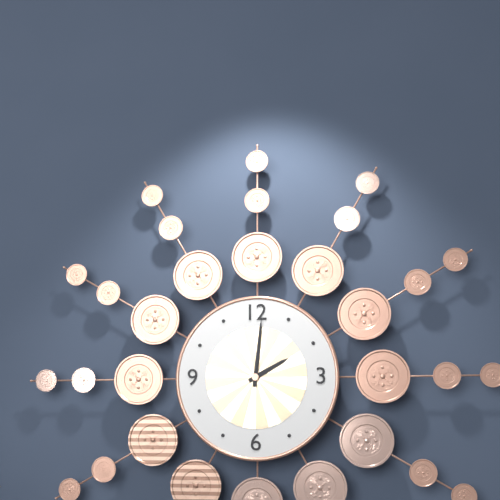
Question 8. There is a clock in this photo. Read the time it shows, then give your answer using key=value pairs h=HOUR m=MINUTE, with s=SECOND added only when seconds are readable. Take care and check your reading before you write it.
h=2 m=1
